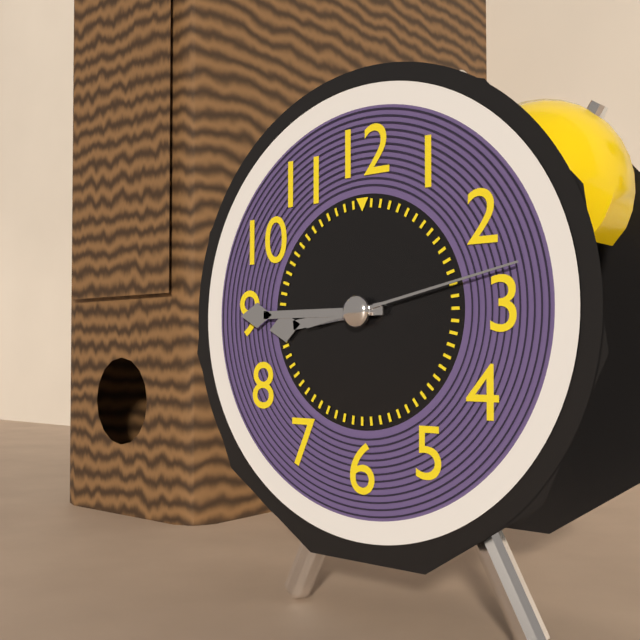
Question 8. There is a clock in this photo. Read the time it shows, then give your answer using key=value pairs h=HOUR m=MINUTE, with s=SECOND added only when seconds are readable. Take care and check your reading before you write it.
h=8 m=45 s=13
